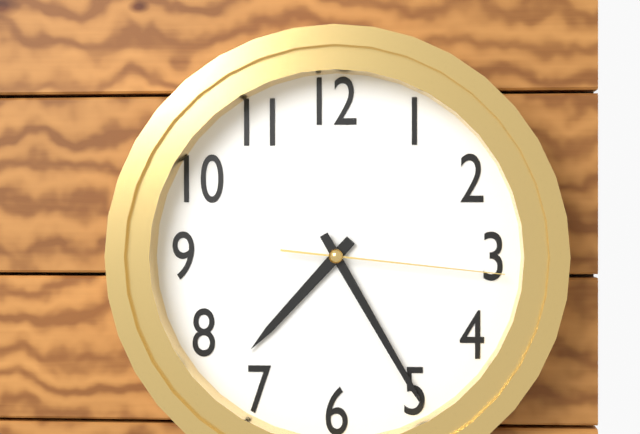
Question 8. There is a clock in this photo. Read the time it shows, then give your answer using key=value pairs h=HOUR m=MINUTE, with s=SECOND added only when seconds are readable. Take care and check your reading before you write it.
h=7 m=25 s=16
